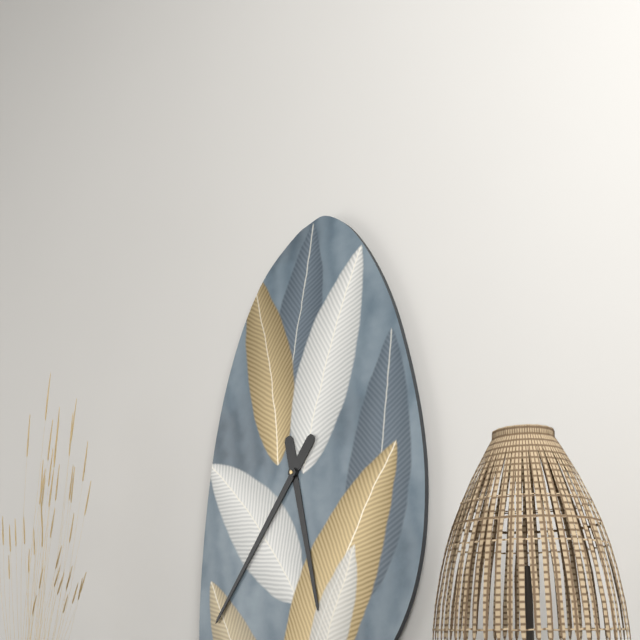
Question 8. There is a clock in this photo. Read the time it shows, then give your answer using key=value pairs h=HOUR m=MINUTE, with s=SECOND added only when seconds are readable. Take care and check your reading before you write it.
h=5 m=36
